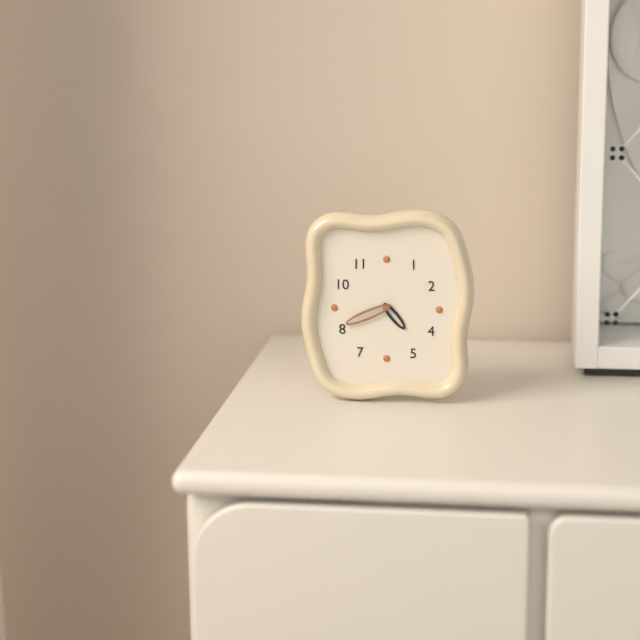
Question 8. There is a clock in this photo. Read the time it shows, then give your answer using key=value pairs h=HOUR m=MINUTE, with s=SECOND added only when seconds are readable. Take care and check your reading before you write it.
h=4 m=41
